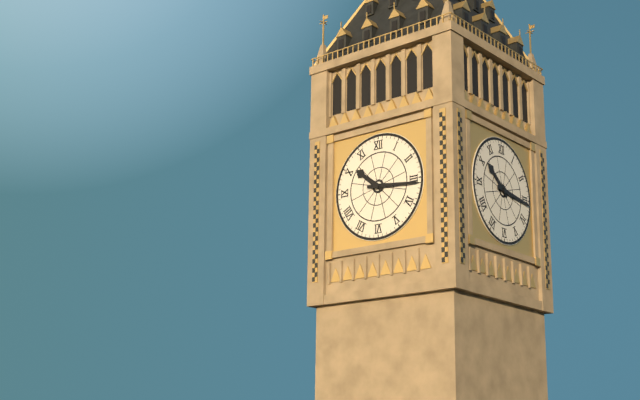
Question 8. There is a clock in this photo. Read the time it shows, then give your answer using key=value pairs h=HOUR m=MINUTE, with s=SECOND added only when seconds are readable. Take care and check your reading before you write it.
h=10 m=16
